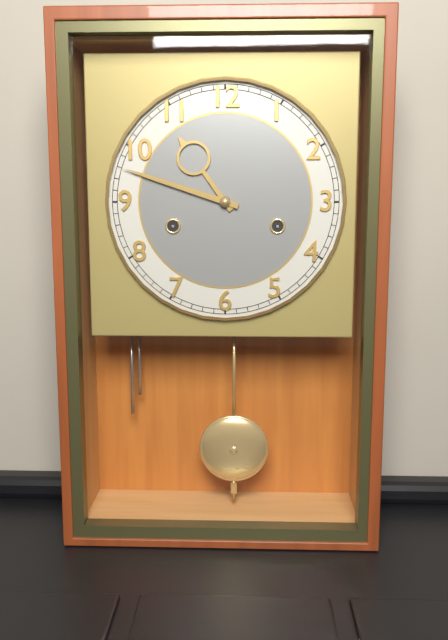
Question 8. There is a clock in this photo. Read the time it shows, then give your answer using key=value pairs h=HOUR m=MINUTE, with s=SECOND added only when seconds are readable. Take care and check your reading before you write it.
h=10 m=48
